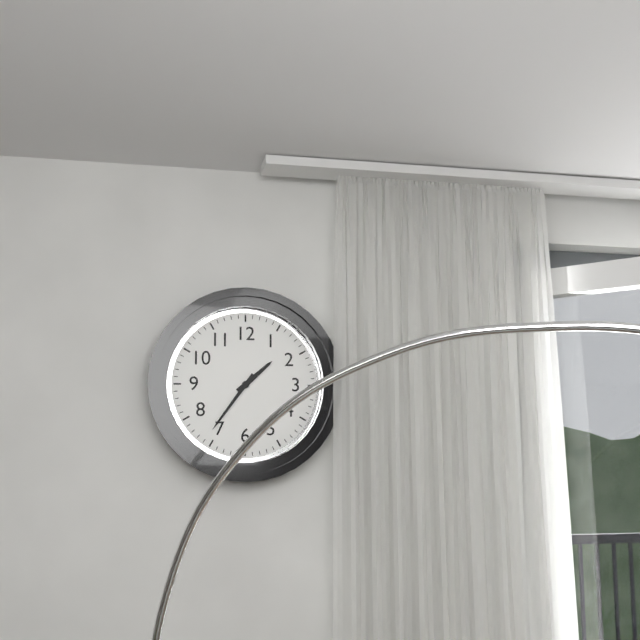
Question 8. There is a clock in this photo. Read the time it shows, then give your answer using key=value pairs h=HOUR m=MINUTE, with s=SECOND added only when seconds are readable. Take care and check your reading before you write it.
h=1 m=36
